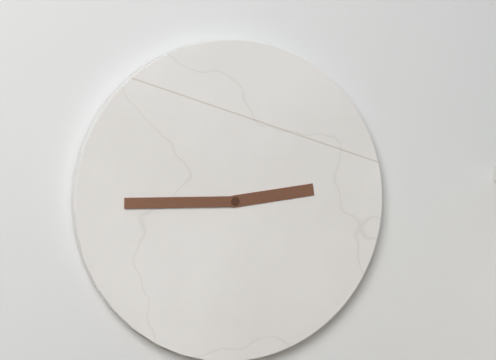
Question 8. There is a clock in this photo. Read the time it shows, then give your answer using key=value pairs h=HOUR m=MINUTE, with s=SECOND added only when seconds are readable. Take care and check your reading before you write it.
h=2 m=45
